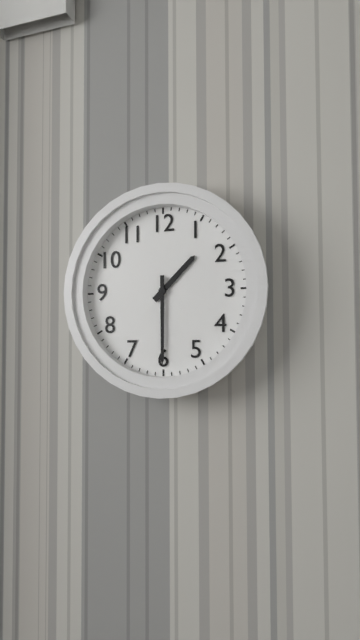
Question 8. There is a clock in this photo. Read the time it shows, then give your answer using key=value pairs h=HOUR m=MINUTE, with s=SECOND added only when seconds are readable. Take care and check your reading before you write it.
h=1 m=30
